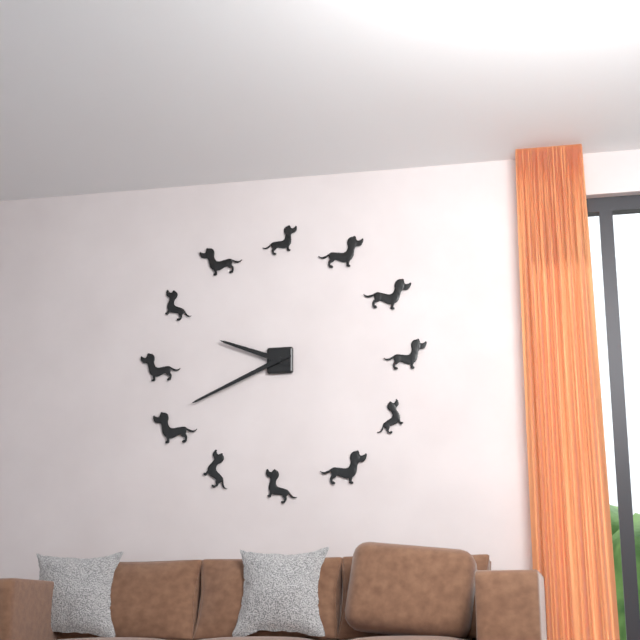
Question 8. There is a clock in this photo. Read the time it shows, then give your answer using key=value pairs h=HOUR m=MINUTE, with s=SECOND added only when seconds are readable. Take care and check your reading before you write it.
h=9 m=41
